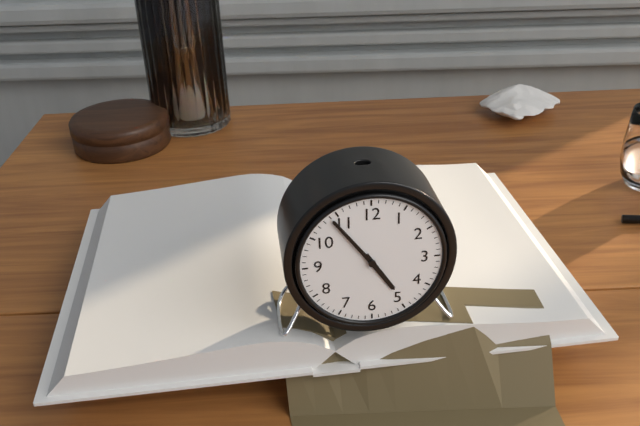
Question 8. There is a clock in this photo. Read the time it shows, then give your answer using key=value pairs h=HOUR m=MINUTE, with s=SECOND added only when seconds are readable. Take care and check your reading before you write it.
h=4 m=54
